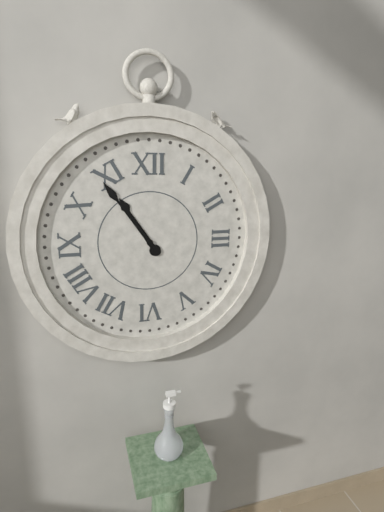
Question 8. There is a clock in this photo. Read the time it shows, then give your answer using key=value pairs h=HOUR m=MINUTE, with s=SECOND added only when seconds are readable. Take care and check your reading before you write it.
h=10 m=54
